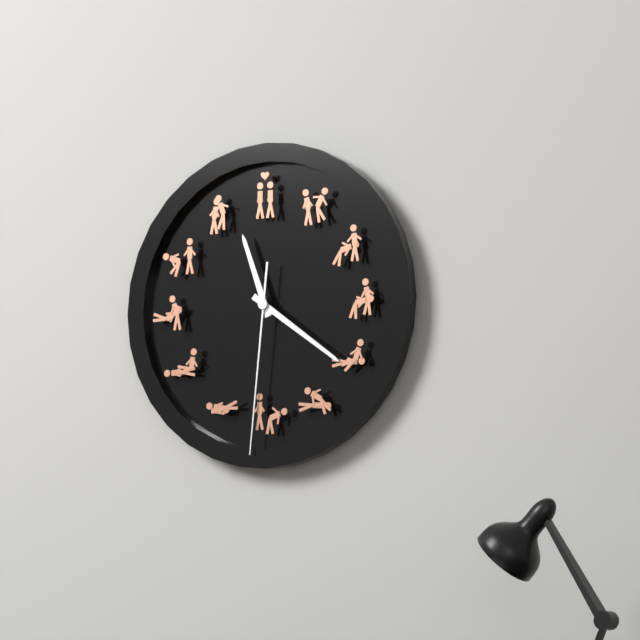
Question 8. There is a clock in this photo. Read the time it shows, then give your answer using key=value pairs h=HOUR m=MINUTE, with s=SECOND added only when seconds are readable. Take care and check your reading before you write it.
h=11 m=21 s=31
